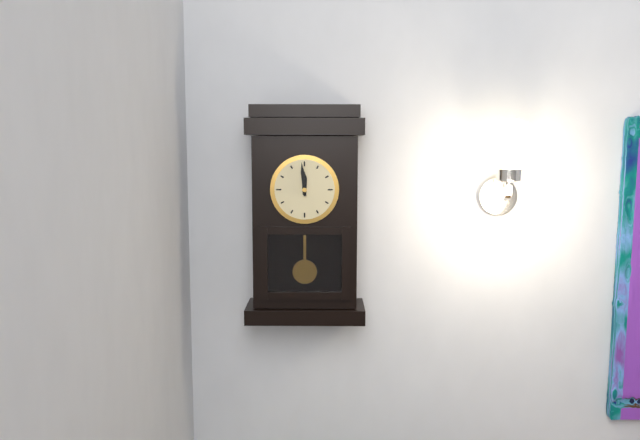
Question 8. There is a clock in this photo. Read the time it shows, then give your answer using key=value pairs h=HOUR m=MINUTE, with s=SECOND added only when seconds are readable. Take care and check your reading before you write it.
h=11 m=59
